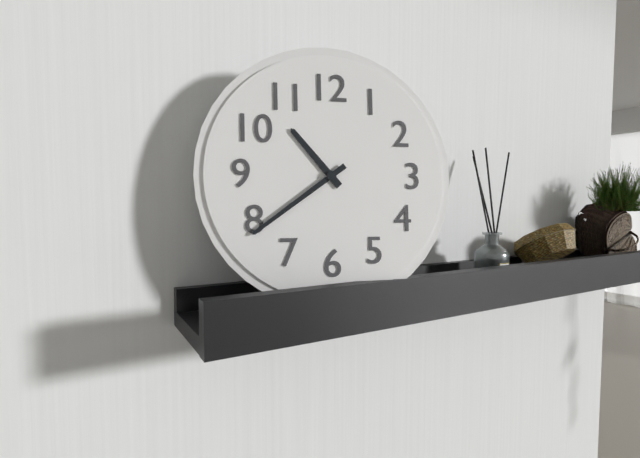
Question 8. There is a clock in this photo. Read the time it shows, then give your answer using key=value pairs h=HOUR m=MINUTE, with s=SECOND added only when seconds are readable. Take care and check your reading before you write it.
h=10 m=39
